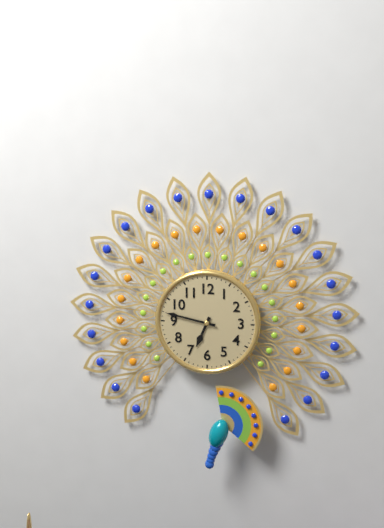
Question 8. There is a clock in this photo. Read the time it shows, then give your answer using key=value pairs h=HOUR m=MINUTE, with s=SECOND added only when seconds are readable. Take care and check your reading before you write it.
h=6 m=47
